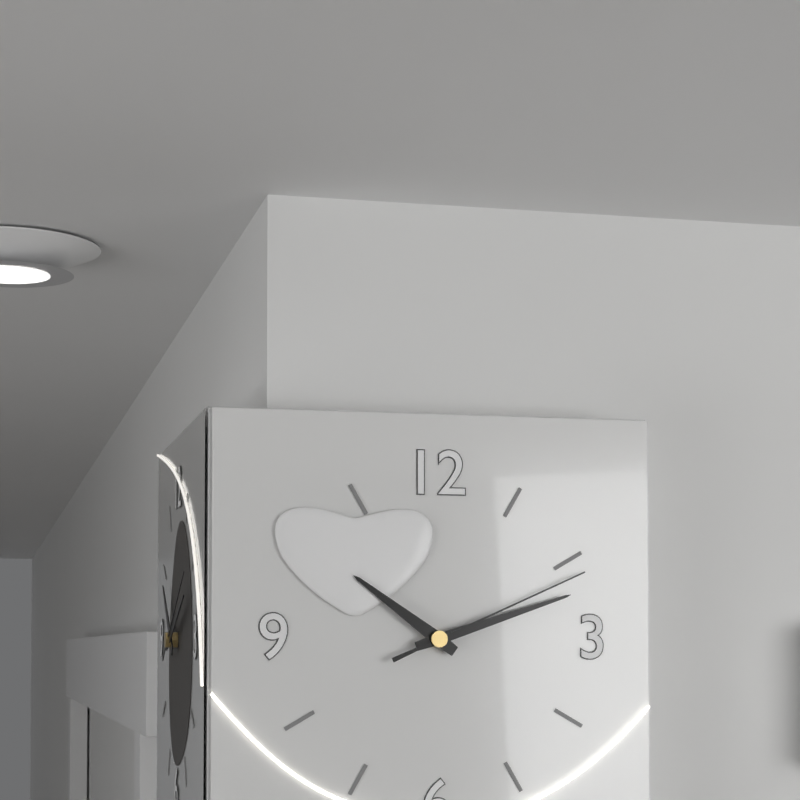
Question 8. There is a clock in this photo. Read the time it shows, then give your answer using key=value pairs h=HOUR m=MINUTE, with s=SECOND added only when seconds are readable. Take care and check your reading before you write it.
h=10 m=12 s=11
